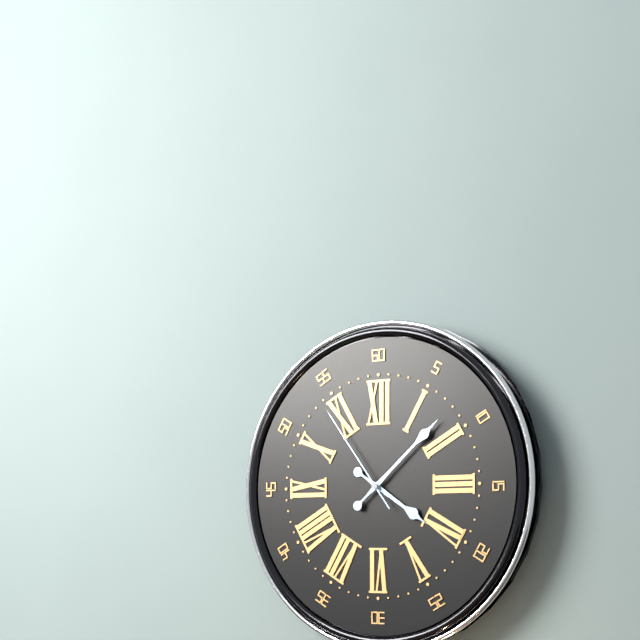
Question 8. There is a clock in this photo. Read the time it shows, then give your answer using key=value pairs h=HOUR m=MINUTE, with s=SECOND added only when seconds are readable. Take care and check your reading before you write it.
h=4 m=8 s=54
